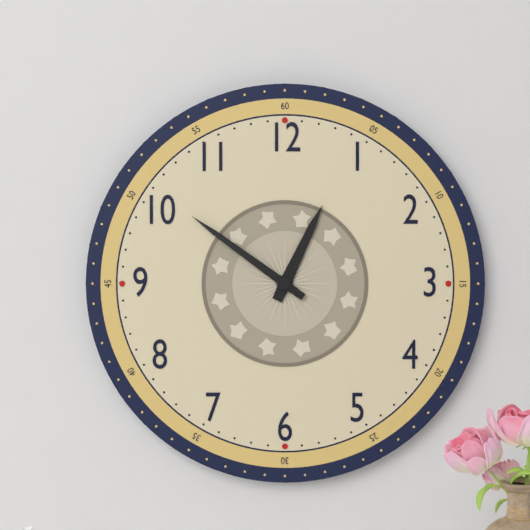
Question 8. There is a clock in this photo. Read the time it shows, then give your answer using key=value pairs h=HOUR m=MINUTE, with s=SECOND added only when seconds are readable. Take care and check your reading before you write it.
h=12 m=51
